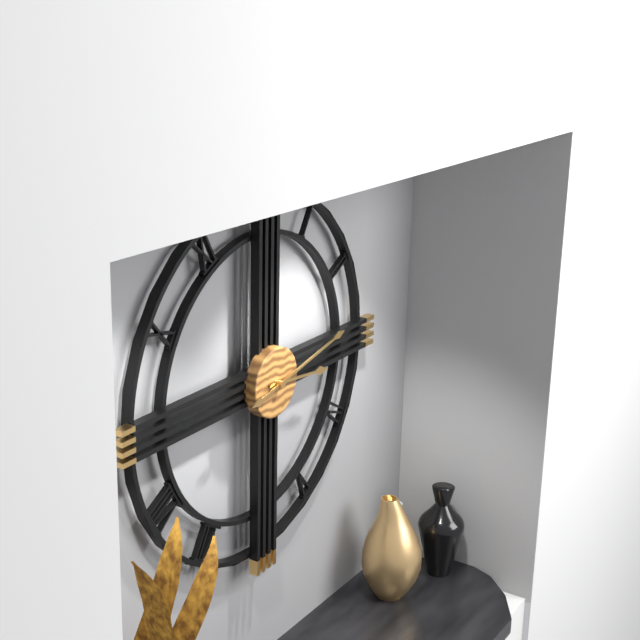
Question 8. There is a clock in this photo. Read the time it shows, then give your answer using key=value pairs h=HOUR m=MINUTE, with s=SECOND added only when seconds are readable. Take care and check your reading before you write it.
h=3 m=13
